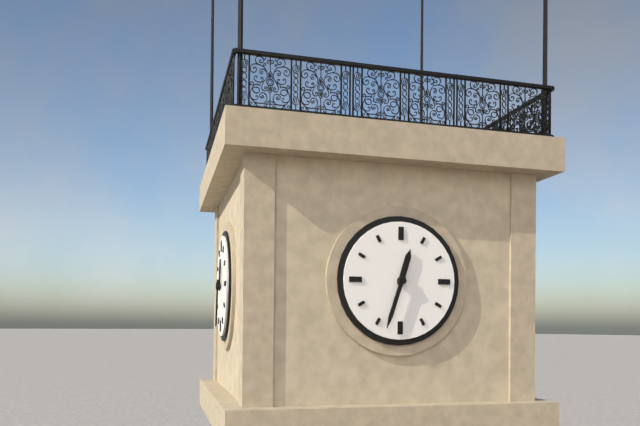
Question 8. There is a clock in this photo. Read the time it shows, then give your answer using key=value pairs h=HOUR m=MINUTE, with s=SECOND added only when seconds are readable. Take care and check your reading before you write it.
h=12 m=33
